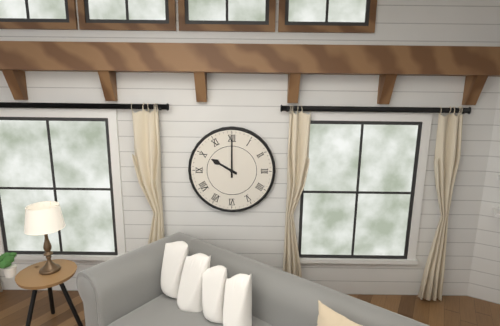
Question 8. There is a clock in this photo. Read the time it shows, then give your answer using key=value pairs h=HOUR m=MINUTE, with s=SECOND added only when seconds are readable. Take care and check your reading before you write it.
h=10 m=0
